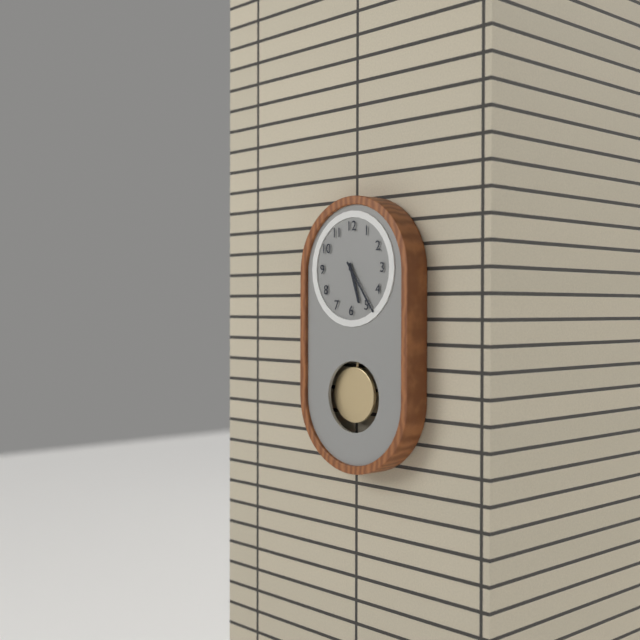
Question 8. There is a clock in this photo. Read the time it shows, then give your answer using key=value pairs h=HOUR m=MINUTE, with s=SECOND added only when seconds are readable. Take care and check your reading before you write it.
h=5 m=24
